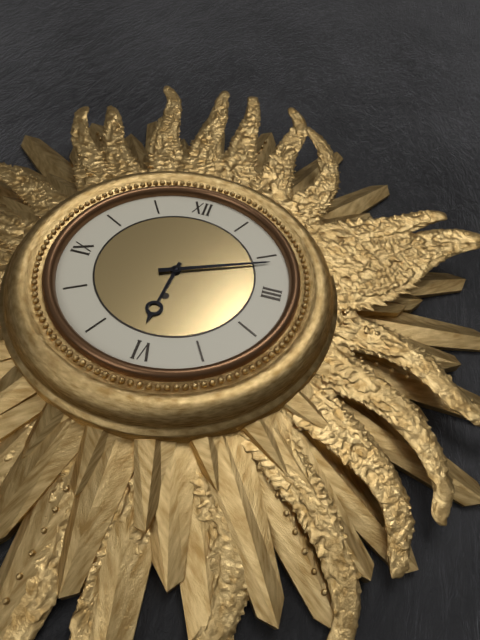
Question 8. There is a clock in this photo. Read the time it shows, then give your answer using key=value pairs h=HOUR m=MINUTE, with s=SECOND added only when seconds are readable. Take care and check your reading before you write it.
h=6 m=11
